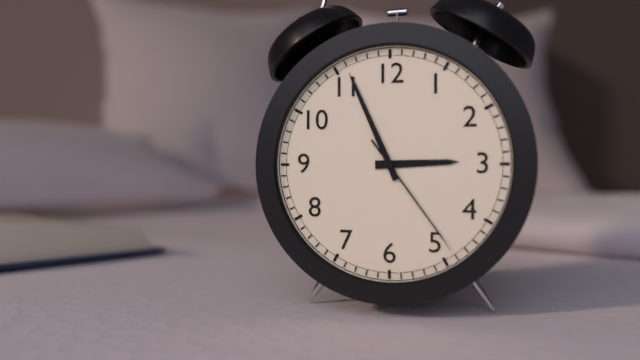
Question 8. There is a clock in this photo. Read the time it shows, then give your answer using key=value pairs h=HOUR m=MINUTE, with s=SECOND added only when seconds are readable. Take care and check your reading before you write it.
h=2 m=56 s=24
